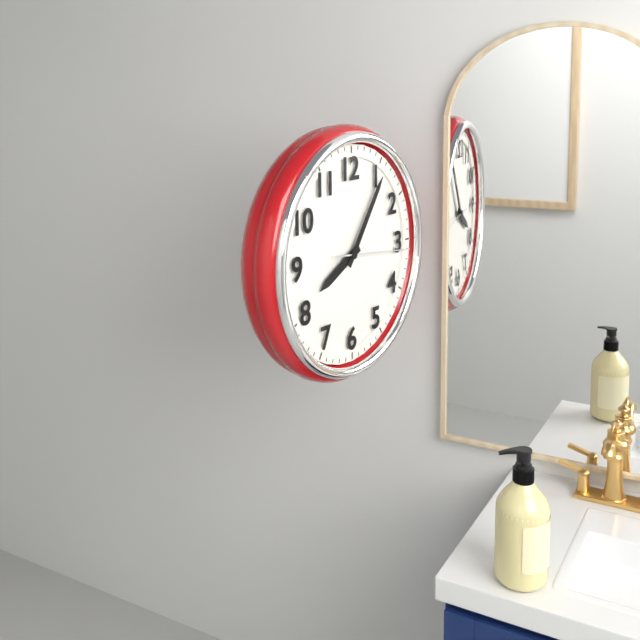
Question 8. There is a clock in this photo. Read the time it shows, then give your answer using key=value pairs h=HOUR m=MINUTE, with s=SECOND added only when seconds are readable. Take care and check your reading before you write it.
h=8 m=6 s=16
